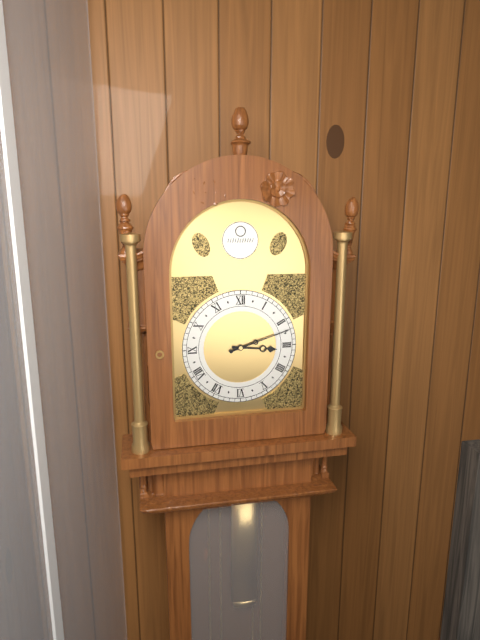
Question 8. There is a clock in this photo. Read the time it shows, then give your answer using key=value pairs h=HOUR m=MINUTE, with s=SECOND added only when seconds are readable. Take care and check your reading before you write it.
h=3 m=12
